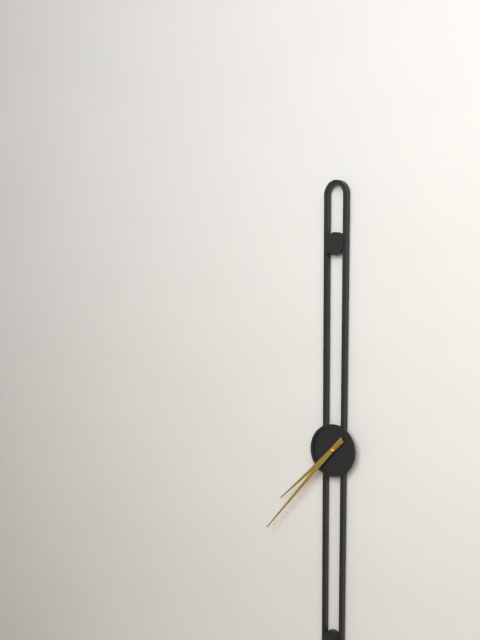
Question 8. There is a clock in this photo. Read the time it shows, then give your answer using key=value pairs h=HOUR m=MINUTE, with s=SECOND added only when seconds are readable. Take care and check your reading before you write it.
h=7 m=37
